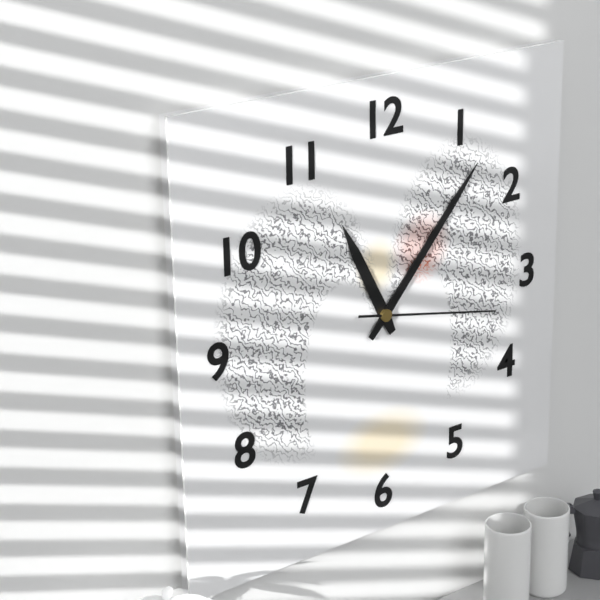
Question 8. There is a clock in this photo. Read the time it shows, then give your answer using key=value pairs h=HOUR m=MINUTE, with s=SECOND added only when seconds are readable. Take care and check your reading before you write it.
h=11 m=7 s=17
